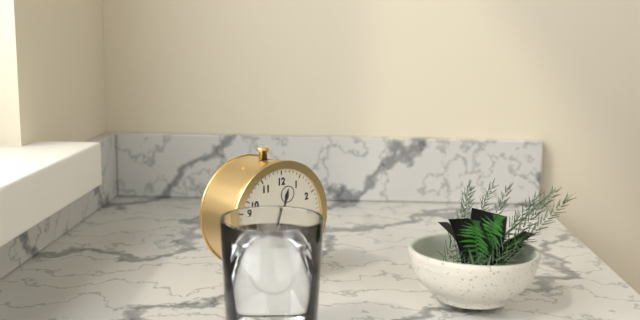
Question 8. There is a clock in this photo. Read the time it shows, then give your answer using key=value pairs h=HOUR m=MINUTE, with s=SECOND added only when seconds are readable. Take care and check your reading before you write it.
h=12 m=33
